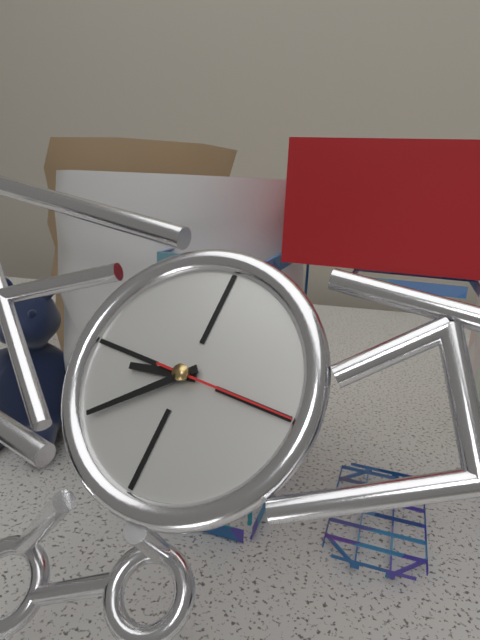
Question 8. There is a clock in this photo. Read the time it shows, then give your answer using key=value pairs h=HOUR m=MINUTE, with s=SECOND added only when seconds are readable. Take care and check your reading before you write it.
h=8 m=38 s=15
